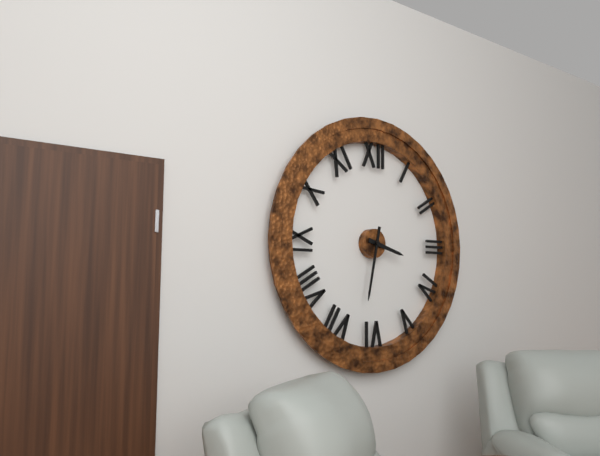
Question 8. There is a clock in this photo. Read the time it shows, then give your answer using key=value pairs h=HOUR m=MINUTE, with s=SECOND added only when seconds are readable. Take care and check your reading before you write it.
h=3 m=32
